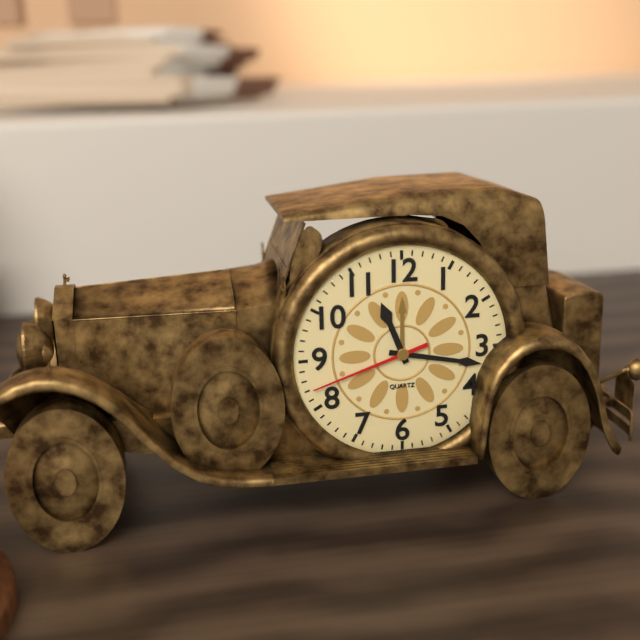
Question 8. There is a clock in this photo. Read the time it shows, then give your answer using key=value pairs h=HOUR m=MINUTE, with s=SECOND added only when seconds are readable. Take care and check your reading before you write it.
h=11 m=17 s=42
